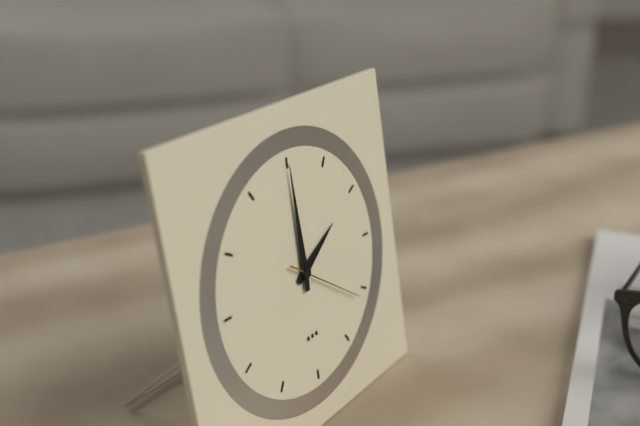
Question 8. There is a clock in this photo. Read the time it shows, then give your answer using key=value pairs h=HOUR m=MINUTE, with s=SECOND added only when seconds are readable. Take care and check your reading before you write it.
h=2 m=0 s=21
